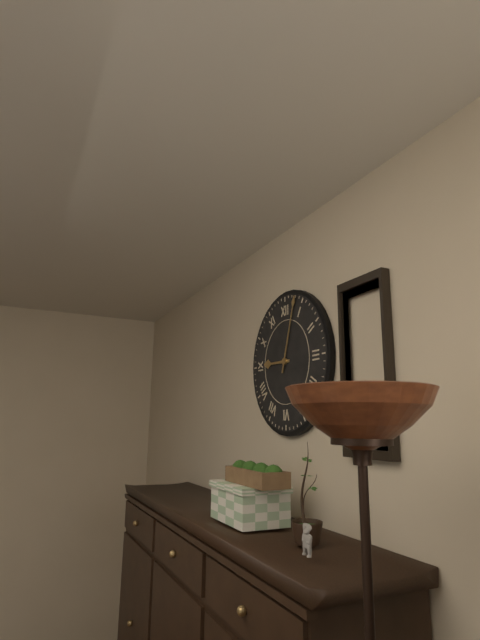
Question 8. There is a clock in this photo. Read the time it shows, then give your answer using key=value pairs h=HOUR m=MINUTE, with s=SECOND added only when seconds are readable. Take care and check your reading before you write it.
h=9 m=3
